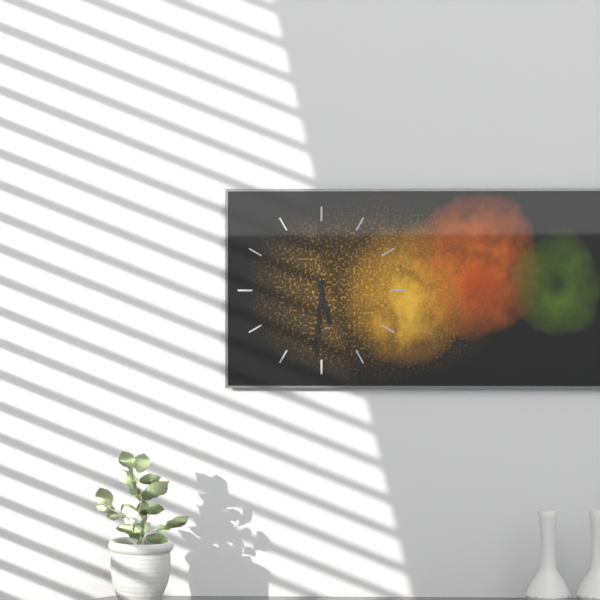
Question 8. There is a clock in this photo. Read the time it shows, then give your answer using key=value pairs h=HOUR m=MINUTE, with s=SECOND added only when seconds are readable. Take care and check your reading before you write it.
h=5 m=31
